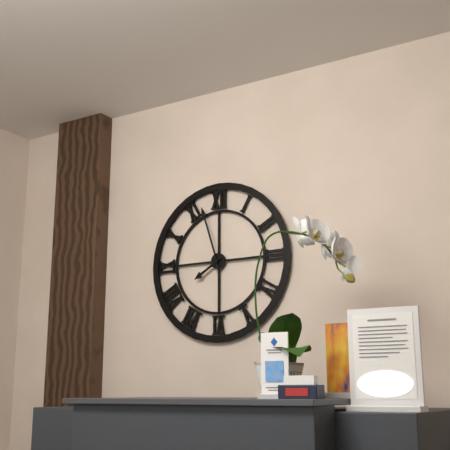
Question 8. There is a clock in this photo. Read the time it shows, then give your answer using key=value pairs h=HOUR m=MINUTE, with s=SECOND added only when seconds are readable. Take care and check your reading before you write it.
h=7 m=57
